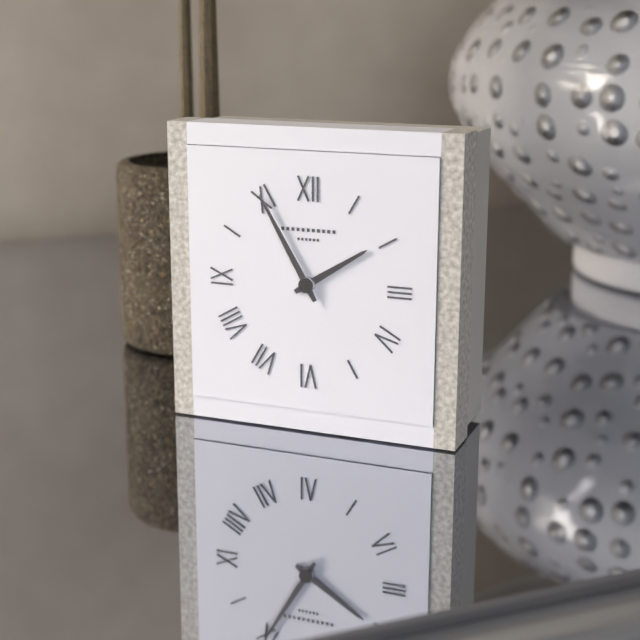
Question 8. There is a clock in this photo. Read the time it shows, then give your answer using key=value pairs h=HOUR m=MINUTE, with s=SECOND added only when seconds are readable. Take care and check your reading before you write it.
h=1 m=55
